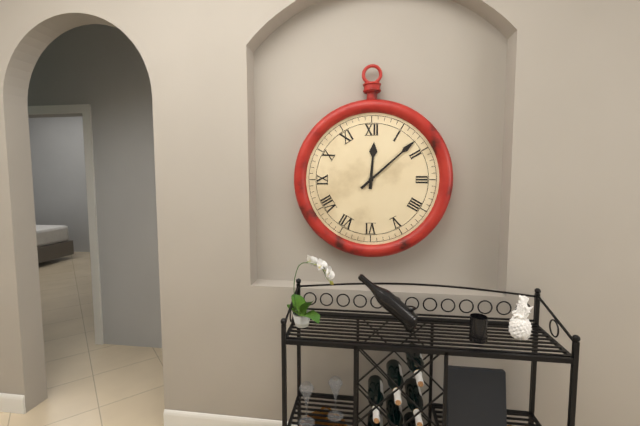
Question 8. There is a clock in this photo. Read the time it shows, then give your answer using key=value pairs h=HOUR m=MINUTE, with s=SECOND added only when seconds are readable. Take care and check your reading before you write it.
h=12 m=8
